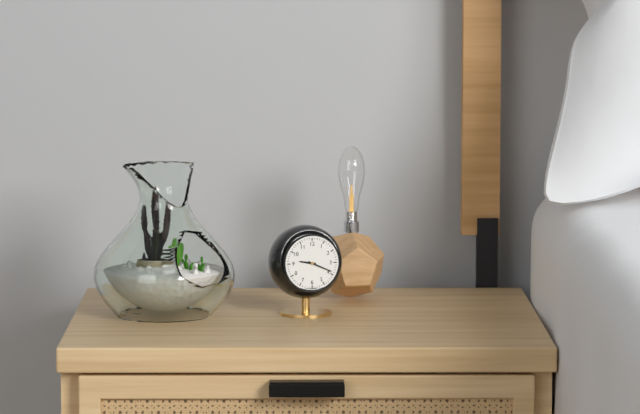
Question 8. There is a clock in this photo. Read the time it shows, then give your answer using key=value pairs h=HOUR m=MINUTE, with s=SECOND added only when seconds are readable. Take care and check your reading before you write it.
h=9 m=19
